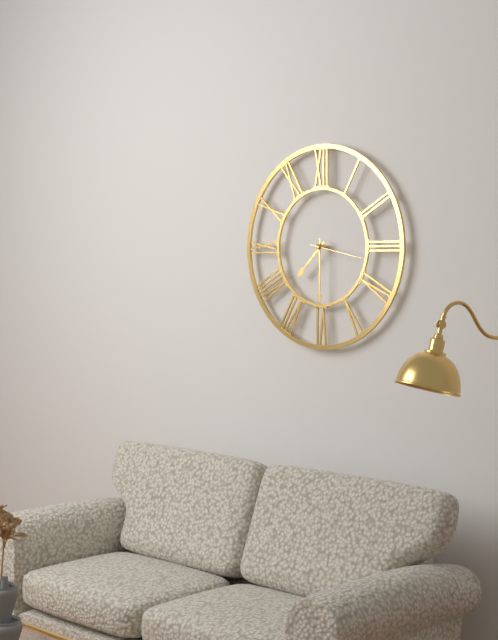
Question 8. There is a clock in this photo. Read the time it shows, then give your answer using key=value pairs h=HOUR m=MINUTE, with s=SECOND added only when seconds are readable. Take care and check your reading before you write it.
h=7 m=30 s=17
